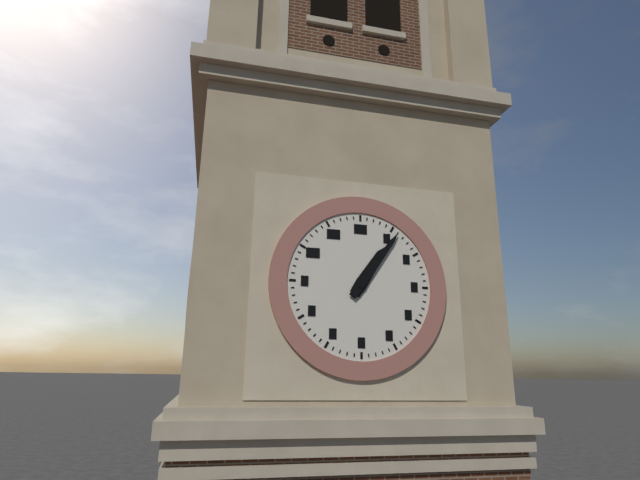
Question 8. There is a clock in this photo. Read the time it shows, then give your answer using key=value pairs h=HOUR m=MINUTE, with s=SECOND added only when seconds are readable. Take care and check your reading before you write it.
h=1 m=6
